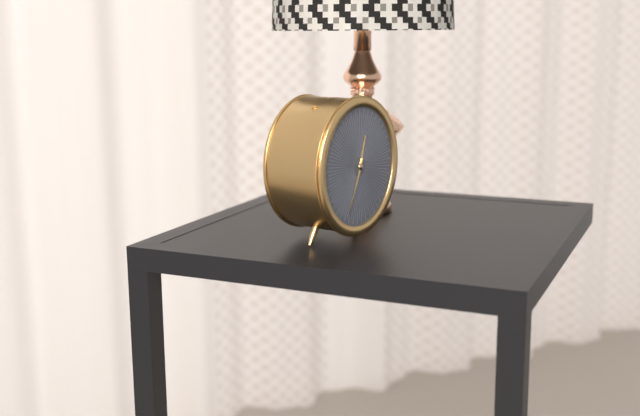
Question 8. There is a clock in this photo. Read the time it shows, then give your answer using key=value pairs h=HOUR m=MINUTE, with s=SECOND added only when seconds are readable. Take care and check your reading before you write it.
h=12 m=34
